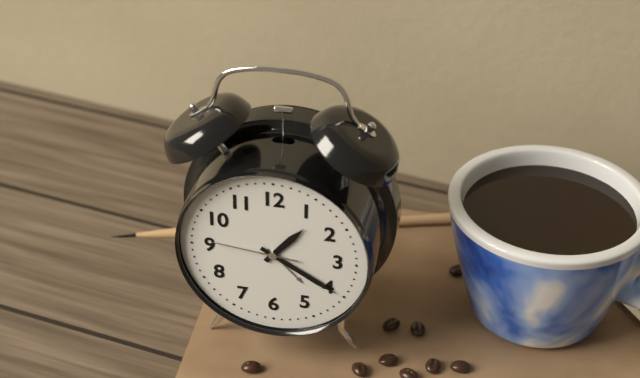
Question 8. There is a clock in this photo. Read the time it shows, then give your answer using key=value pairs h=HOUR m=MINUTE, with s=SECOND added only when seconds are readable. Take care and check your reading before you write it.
h=1 m=20 s=46
